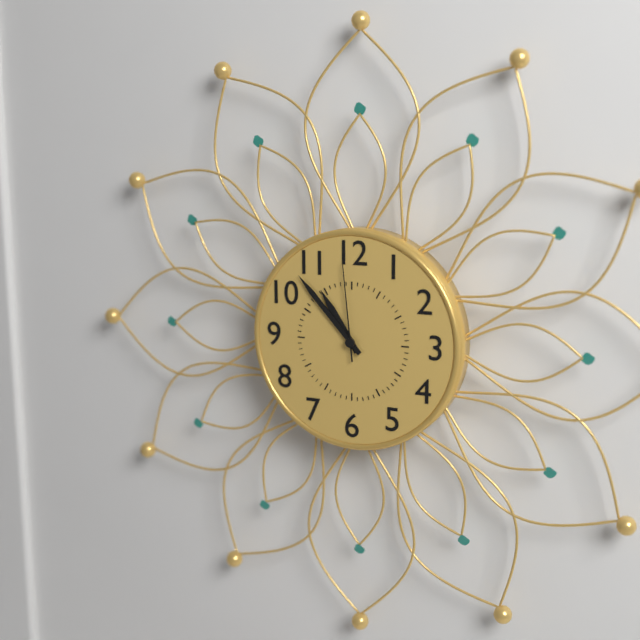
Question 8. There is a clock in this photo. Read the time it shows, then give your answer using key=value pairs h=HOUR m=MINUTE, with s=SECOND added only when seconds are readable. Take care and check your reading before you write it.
h=10 m=53 s=59
